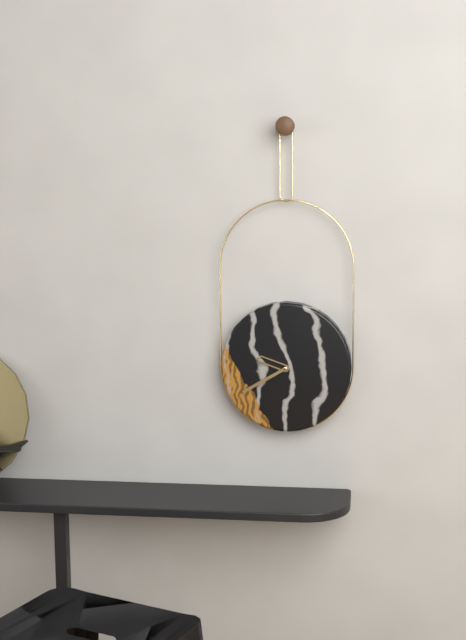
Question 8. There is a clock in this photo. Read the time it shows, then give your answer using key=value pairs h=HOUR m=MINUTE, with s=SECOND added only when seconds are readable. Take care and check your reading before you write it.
h=9 m=40
